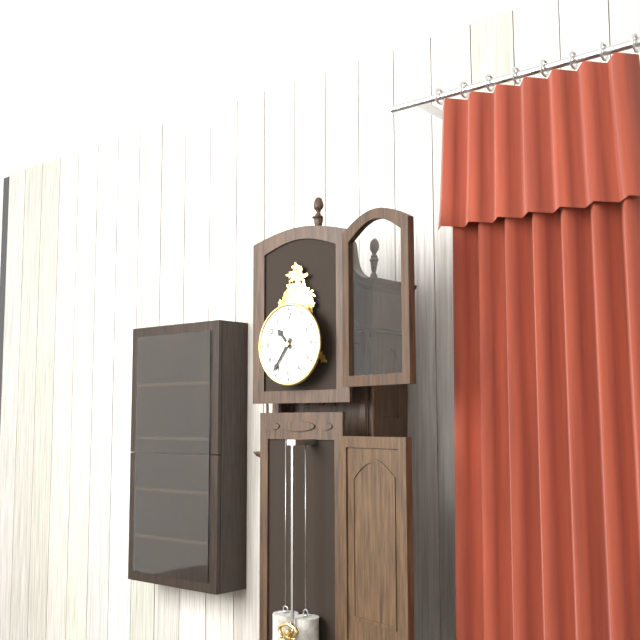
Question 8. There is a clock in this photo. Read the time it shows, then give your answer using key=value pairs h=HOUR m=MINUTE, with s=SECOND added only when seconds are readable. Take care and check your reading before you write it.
h=10 m=36
